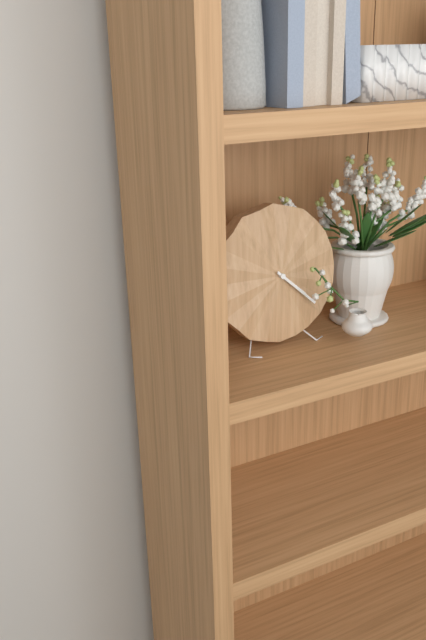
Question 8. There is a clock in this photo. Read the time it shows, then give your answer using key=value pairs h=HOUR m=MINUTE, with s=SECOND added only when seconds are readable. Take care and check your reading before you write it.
h=4 m=22
